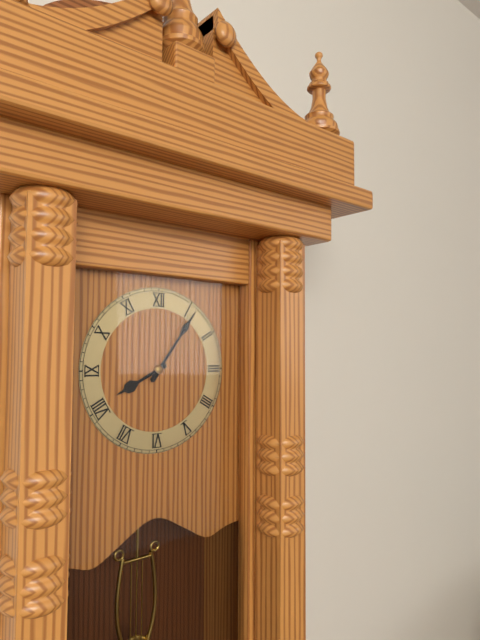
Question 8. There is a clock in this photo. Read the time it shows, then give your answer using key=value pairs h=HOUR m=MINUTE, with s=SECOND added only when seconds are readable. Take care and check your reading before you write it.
h=8 m=6
